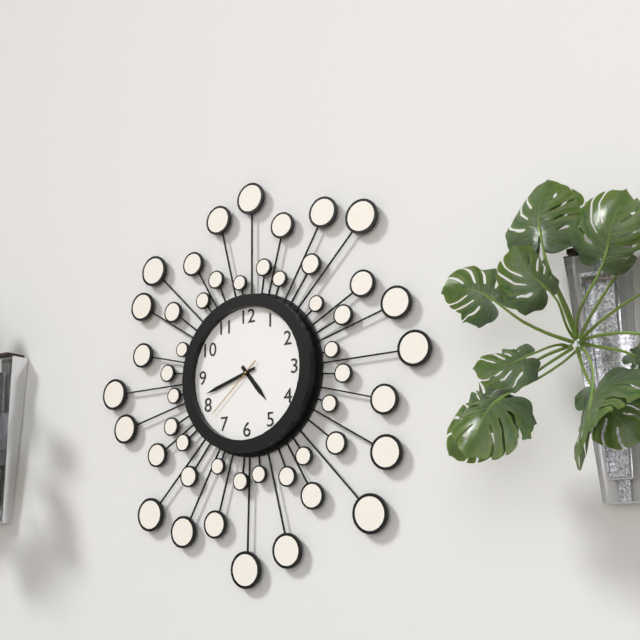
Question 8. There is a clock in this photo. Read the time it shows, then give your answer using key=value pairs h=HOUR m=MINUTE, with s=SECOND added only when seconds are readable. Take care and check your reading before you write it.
h=4 m=42 s=38
